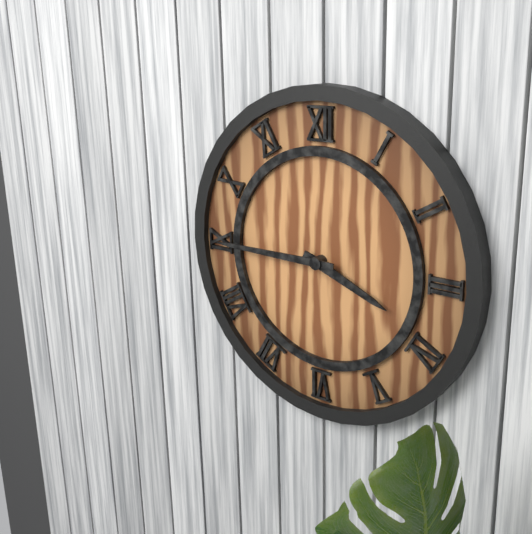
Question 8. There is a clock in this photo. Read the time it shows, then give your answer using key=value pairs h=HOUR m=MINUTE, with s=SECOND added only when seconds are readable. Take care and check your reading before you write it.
h=3 m=45
